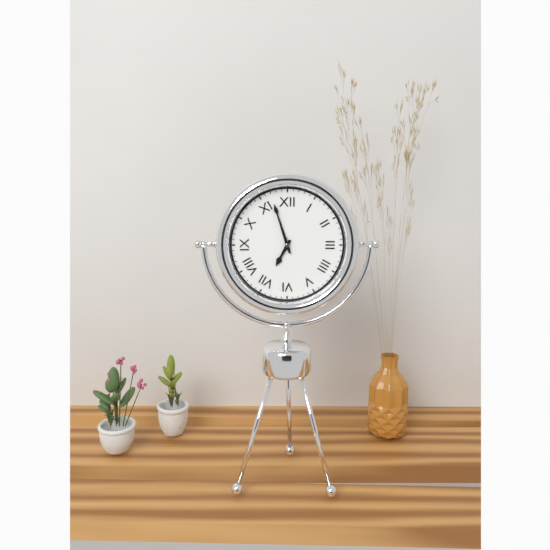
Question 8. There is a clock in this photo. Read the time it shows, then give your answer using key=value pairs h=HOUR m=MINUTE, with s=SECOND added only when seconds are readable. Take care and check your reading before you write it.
h=6 m=57
